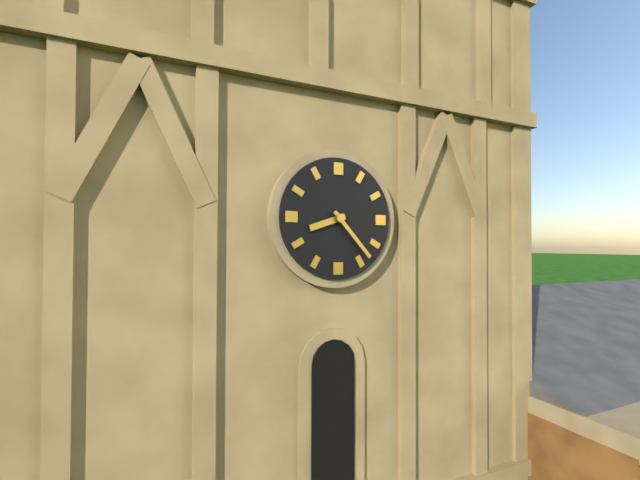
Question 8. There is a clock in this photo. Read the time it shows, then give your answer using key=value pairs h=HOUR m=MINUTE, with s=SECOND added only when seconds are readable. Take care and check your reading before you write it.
h=8 m=23
